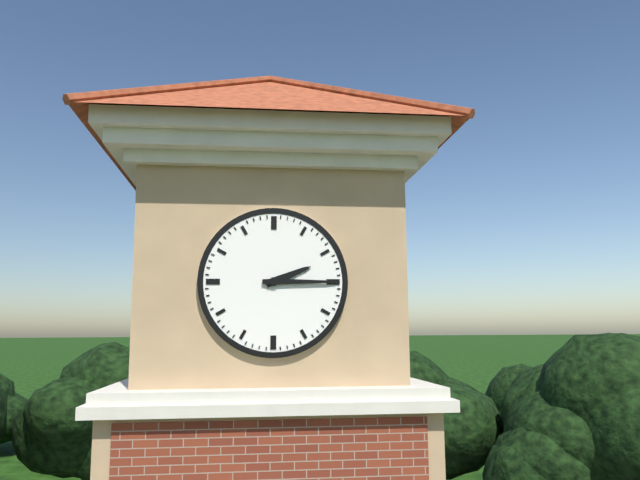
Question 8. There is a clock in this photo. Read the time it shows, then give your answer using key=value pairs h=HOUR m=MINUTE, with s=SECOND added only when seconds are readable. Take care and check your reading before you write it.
h=2 m=15
